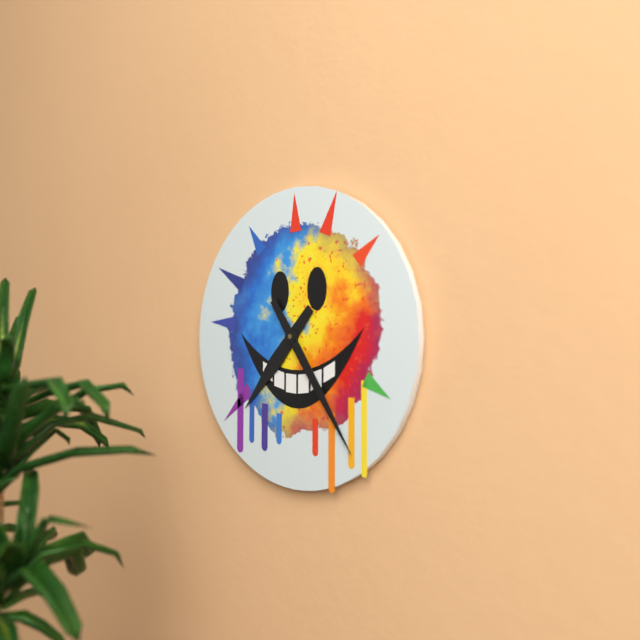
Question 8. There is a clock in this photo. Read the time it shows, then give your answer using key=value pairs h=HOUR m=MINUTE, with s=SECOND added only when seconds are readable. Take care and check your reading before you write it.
h=7 m=24
